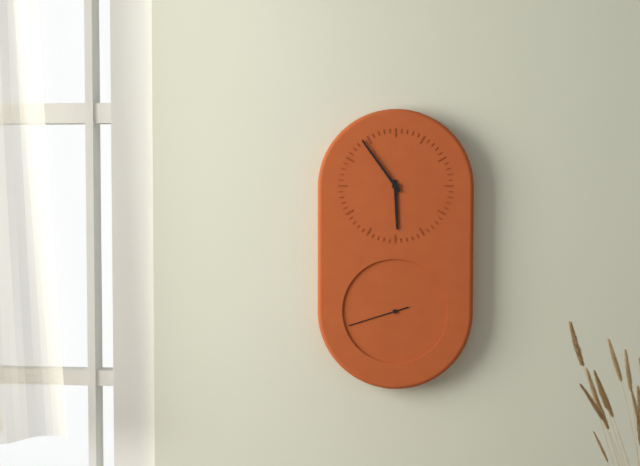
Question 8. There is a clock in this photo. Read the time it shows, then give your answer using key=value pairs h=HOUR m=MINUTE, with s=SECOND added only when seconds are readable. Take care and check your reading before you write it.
h=5 m=54 s=42
